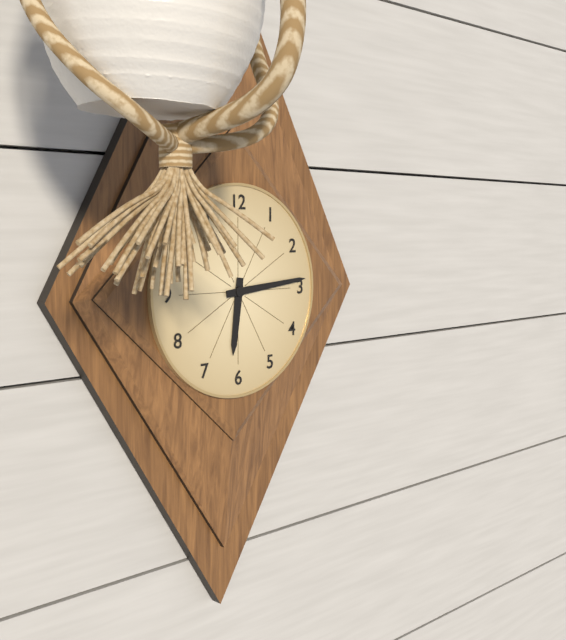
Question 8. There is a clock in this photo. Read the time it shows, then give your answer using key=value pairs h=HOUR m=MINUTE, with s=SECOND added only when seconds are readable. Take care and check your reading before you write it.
h=6 m=14
